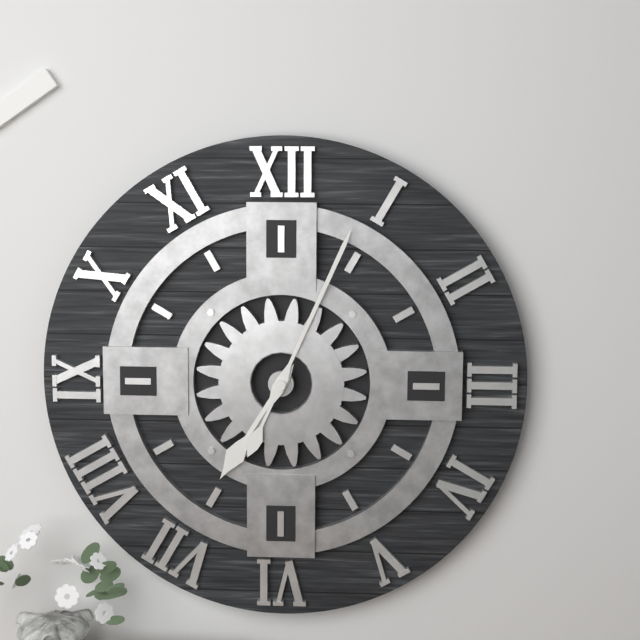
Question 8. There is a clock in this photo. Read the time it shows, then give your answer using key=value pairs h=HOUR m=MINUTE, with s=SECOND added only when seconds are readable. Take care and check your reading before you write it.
h=7 m=4
